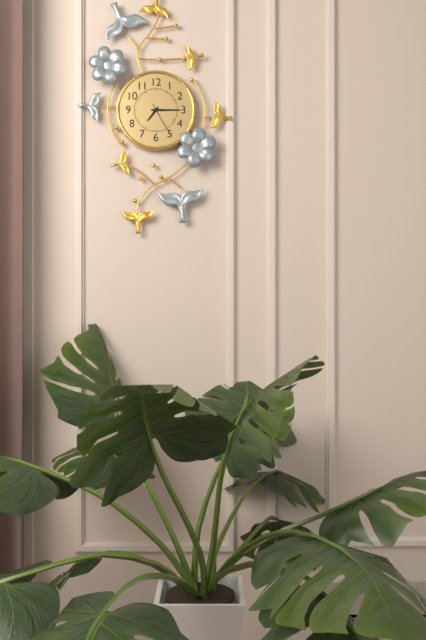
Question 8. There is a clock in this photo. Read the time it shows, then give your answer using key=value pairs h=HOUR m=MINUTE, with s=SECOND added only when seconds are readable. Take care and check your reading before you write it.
h=7 m=15
